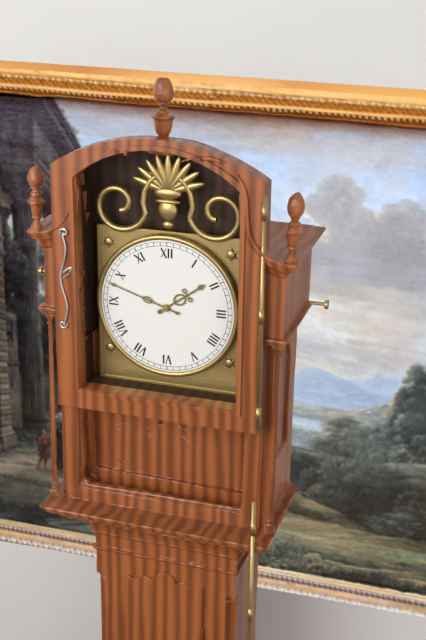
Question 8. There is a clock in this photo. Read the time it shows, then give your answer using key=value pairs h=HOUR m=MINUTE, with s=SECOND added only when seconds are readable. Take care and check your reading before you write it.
h=1 m=48
